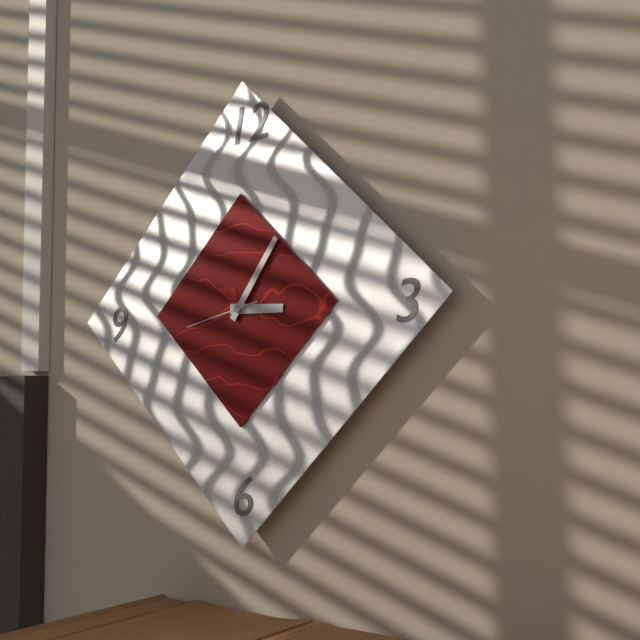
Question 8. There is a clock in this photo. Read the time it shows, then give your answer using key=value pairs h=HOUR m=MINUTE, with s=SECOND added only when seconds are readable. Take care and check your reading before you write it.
h=3 m=6 s=43
